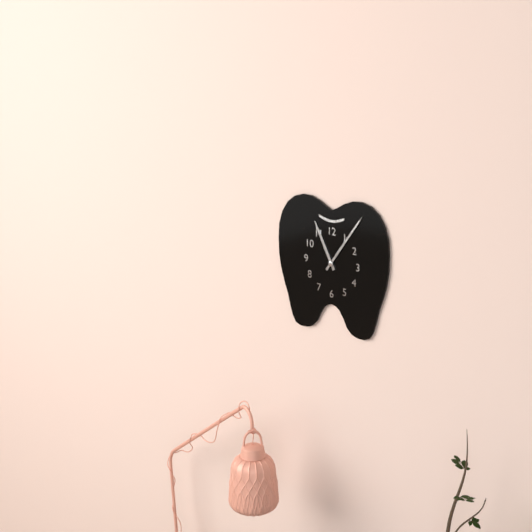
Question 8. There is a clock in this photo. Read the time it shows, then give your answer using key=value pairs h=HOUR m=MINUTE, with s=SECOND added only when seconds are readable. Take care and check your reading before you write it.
h=11 m=6
